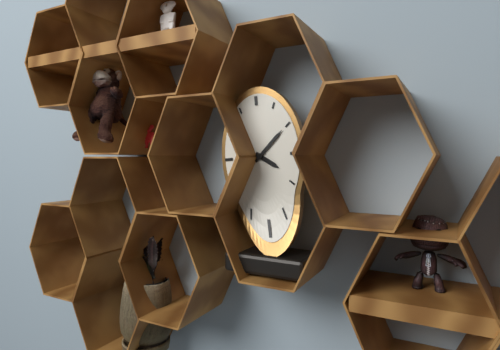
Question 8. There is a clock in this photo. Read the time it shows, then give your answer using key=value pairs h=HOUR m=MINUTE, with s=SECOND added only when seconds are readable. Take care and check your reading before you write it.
h=4 m=8
